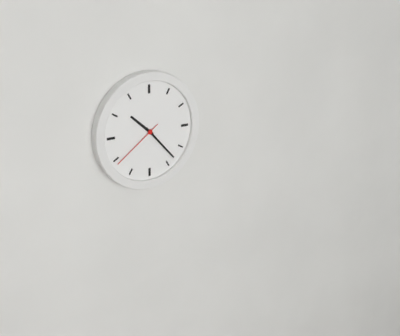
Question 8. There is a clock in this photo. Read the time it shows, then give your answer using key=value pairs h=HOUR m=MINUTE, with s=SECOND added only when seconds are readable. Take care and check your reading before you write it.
h=10 m=23 s=39
